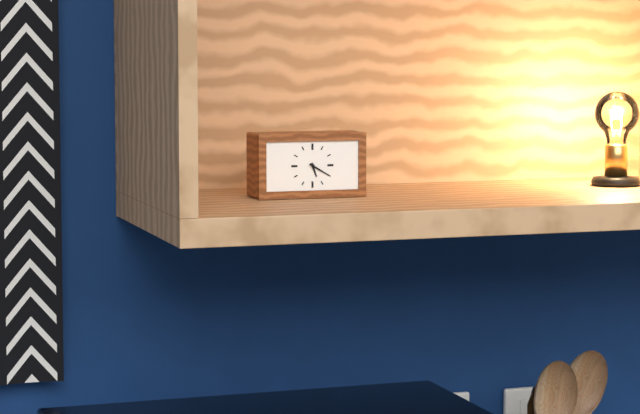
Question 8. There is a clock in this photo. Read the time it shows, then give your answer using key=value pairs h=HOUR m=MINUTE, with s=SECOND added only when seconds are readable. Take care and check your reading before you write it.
h=5 m=20
